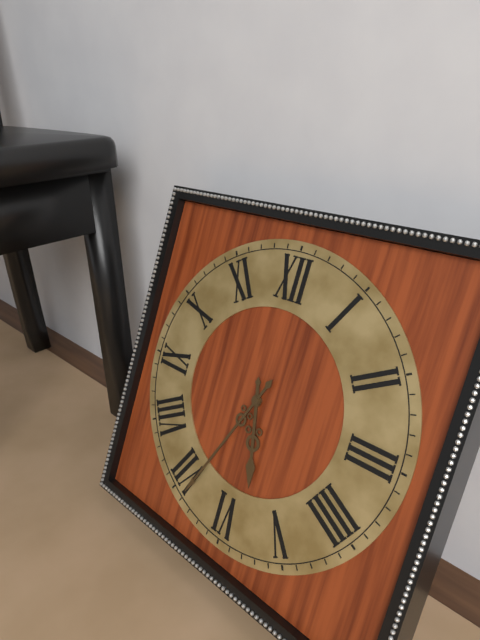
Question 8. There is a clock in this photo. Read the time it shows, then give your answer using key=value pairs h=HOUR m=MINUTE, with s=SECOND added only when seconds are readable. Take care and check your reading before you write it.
h=5 m=34
